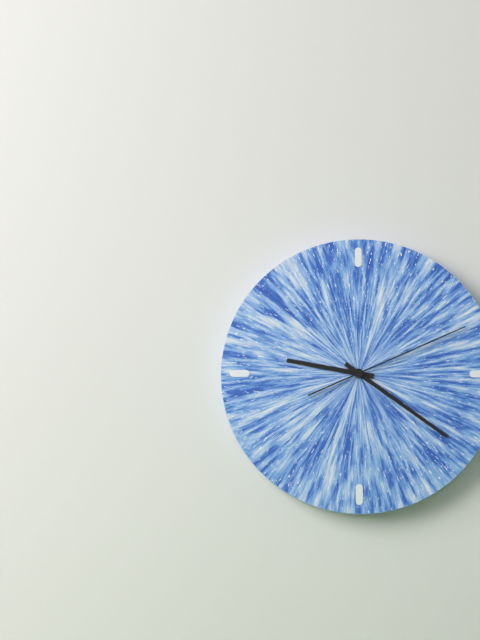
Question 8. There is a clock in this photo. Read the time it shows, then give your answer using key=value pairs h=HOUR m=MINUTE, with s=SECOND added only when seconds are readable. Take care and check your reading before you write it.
h=9 m=21 s=11
